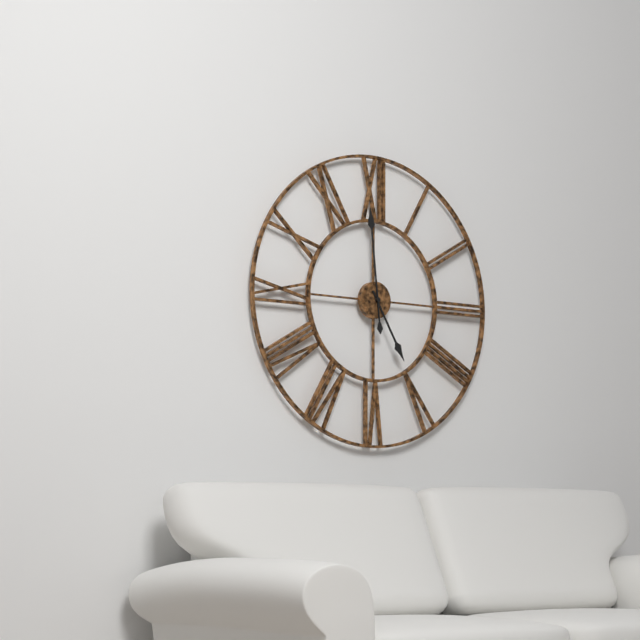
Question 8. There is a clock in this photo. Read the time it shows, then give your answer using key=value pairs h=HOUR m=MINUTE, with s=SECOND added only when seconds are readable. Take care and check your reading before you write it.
h=4 m=59
